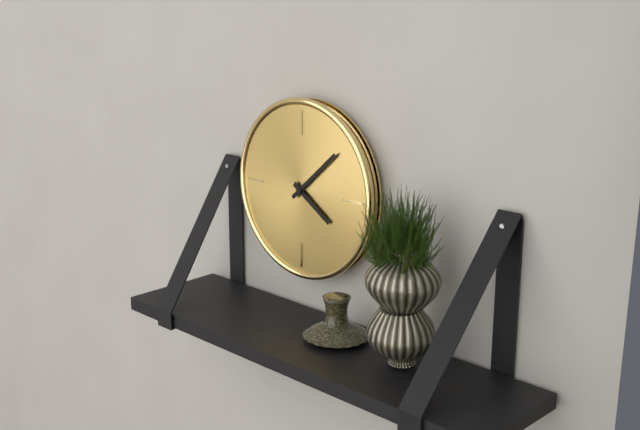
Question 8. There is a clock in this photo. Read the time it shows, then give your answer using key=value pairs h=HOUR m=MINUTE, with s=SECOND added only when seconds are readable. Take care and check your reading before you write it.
h=4 m=8
